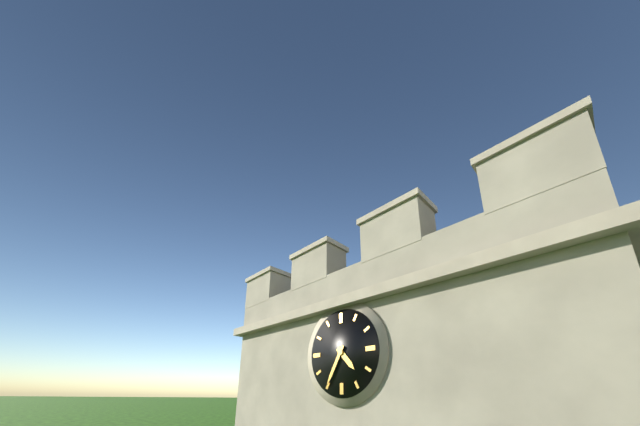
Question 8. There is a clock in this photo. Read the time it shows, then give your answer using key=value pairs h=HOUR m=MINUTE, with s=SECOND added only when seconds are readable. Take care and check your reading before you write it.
h=4 m=35
